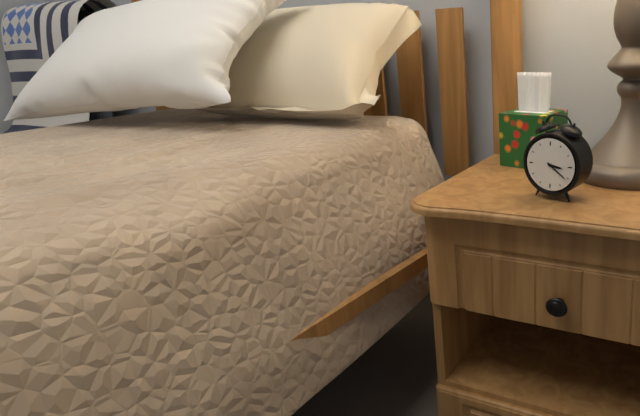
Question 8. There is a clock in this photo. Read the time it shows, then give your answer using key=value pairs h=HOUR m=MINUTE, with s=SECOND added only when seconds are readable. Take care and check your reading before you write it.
h=3 m=21
